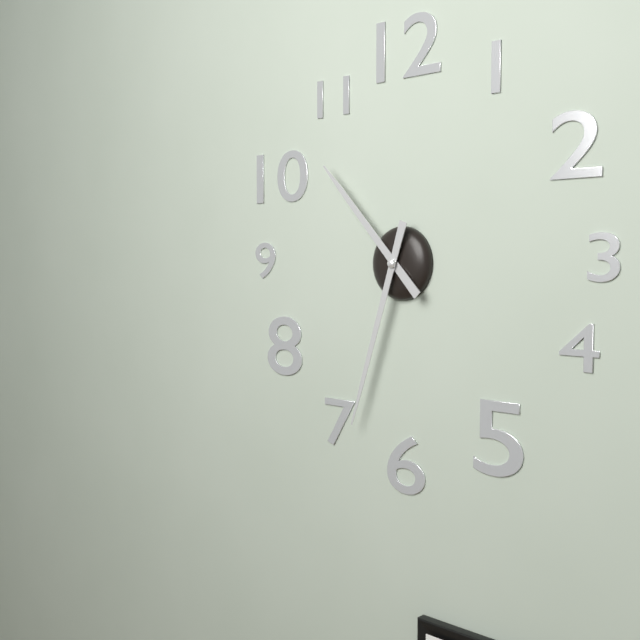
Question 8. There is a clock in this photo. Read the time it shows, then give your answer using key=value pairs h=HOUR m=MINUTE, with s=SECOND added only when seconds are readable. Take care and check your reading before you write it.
h=10 m=33
